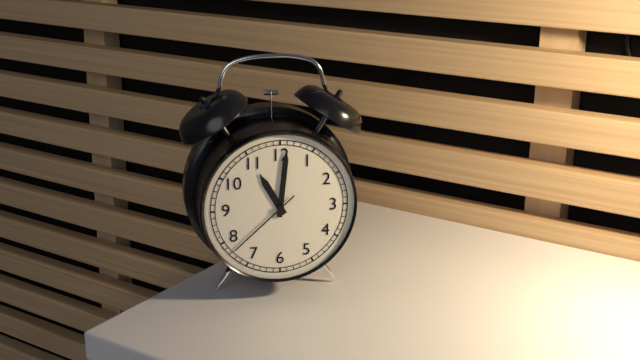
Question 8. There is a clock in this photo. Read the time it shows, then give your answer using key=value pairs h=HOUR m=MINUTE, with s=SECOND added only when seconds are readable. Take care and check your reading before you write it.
h=11 m=1 s=38
